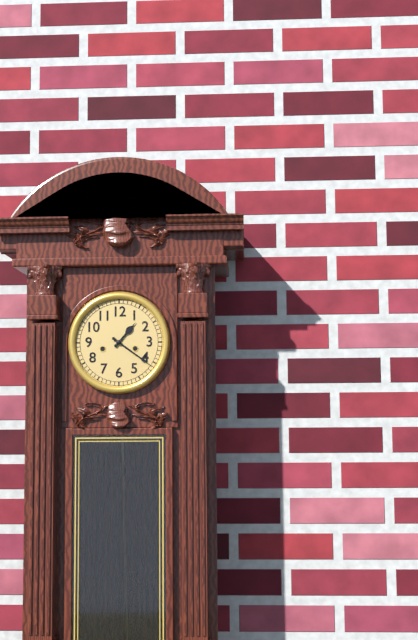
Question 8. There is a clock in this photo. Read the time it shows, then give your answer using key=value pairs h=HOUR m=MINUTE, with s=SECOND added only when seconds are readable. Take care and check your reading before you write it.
h=1 m=21
